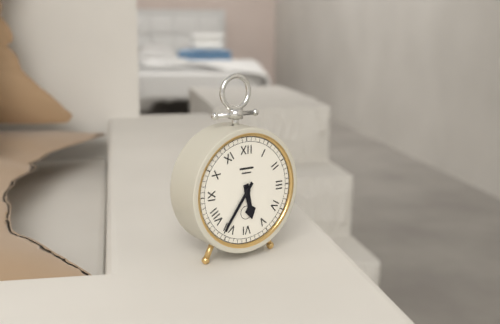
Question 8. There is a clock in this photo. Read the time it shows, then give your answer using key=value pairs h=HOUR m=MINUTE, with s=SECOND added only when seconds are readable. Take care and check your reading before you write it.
h=5 m=36
